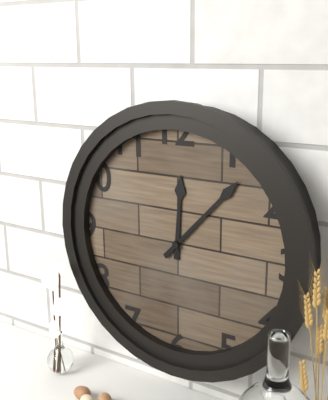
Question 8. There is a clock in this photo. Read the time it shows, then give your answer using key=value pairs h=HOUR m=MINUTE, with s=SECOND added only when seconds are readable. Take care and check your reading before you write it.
h=12 m=7
